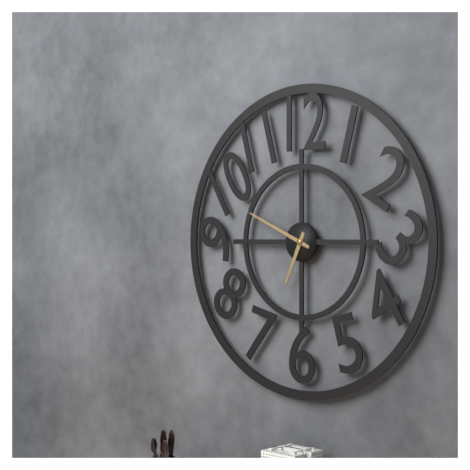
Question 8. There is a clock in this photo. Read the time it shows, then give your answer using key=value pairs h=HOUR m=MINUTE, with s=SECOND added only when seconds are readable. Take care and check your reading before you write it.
h=6 m=49
